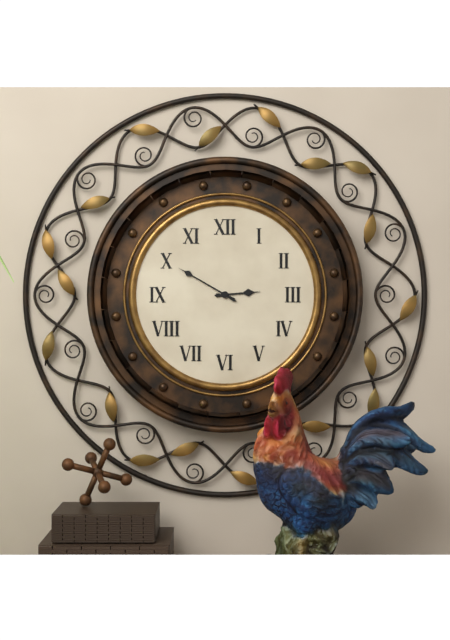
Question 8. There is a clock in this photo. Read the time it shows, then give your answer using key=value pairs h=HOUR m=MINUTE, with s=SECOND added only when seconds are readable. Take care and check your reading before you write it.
h=2 m=50
